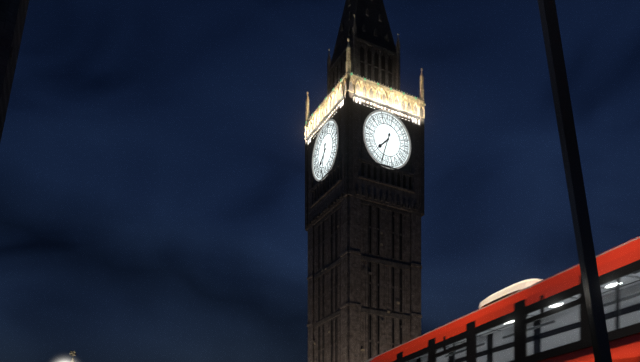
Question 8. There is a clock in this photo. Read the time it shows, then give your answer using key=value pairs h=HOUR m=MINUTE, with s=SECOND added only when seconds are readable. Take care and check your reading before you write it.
h=7 m=33
